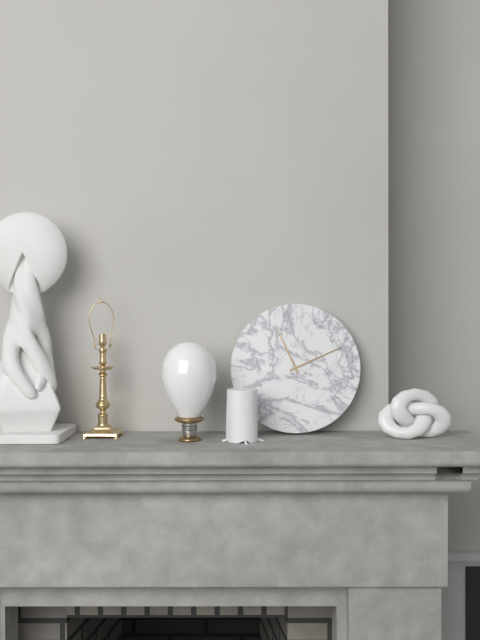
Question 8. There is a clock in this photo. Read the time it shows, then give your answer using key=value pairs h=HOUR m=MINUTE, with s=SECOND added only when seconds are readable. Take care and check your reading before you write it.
h=11 m=11
